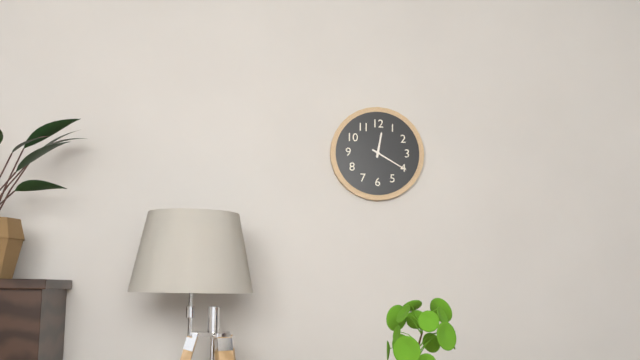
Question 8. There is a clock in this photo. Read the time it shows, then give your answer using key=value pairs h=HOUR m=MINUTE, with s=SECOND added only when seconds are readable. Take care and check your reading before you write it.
h=12 m=20
